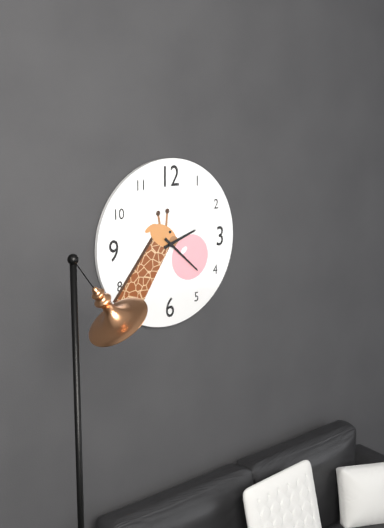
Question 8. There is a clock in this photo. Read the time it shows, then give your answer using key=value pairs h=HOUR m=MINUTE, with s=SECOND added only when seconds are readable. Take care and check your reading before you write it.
h=2 m=22
